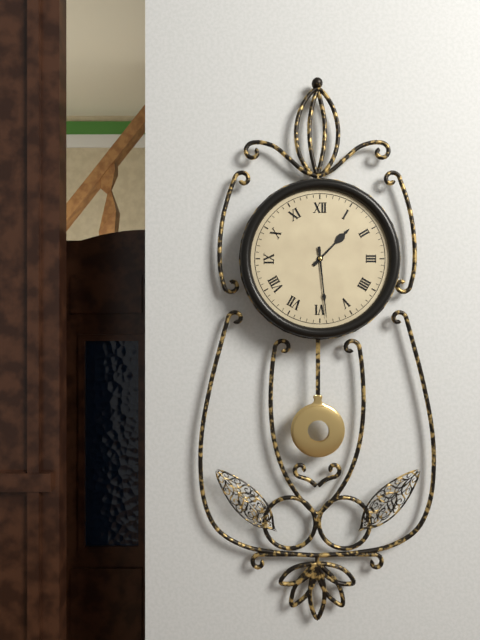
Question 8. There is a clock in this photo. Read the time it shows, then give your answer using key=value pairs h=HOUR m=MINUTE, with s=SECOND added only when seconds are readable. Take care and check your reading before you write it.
h=1 m=29
